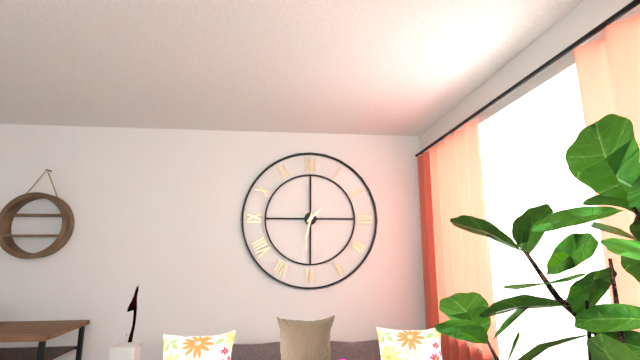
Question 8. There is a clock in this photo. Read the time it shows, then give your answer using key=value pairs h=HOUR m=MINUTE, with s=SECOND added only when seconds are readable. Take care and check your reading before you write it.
h=1 m=32
